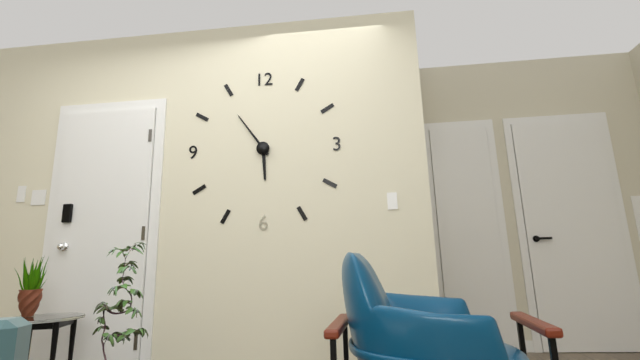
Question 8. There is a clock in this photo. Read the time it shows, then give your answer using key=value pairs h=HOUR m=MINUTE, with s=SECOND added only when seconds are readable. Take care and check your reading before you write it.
h=5 m=54
